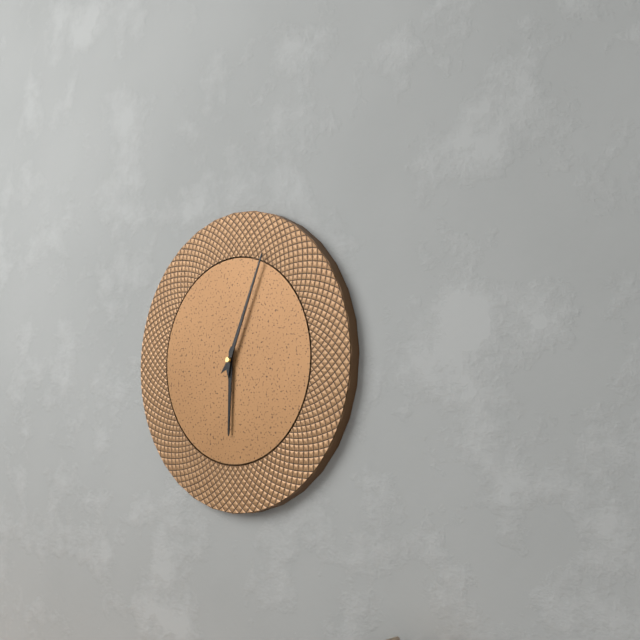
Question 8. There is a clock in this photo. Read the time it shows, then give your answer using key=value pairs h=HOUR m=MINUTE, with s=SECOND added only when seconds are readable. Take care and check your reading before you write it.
h=6 m=4
